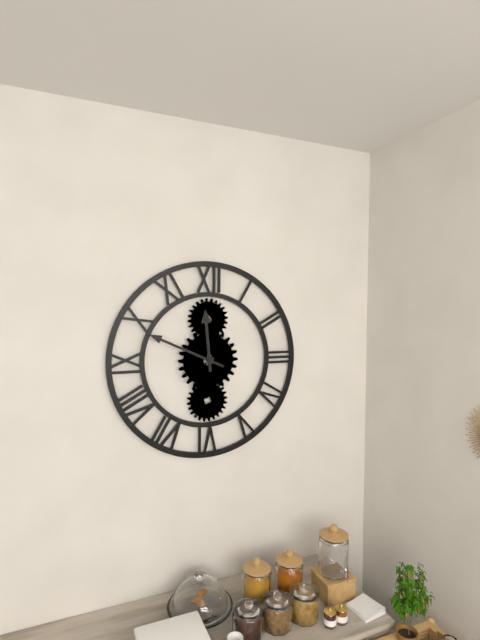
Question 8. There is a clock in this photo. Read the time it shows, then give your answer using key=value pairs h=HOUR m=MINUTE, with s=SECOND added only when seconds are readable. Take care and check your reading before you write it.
h=11 m=49
